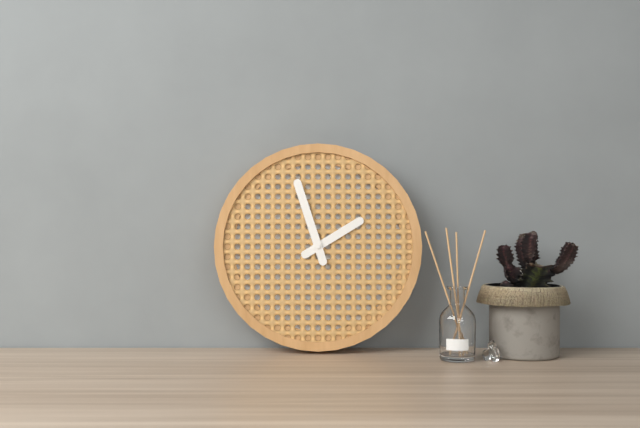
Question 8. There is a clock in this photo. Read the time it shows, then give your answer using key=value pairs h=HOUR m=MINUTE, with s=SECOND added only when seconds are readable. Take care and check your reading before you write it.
h=1 m=57
